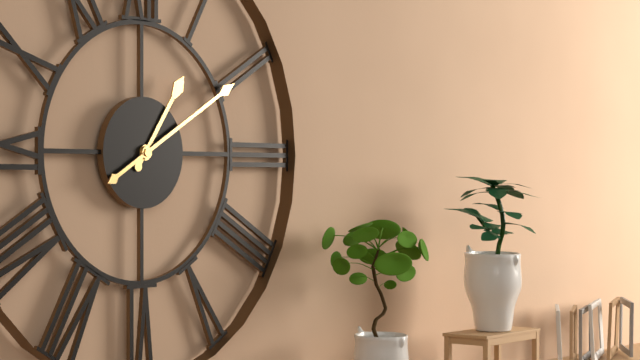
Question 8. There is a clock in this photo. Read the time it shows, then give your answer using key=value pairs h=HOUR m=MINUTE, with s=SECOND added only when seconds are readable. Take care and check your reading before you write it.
h=1 m=10
